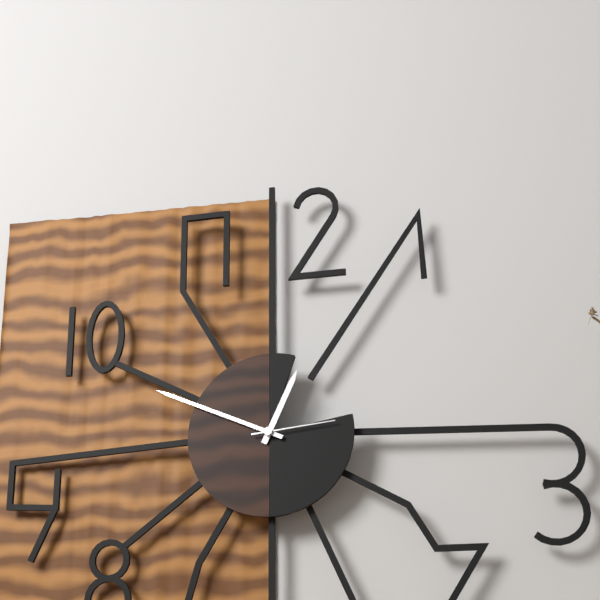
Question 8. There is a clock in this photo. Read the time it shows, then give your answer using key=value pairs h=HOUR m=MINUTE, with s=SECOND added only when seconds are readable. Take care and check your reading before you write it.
h=12 m=49 s=14
